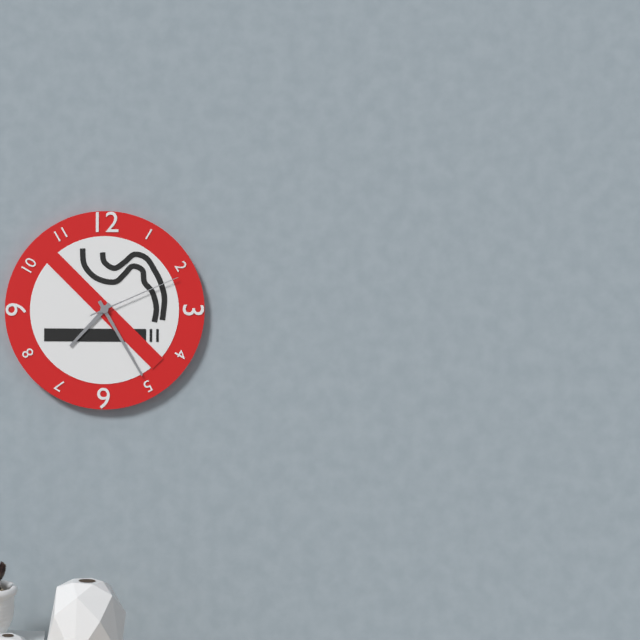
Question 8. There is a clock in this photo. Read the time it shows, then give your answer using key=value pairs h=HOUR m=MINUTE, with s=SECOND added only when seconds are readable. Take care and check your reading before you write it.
h=7 m=25 s=11
